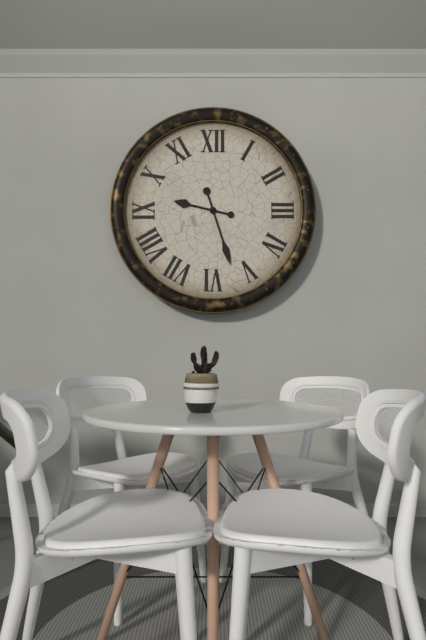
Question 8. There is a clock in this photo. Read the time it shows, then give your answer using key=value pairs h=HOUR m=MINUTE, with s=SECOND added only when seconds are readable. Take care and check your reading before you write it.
h=9 m=27
